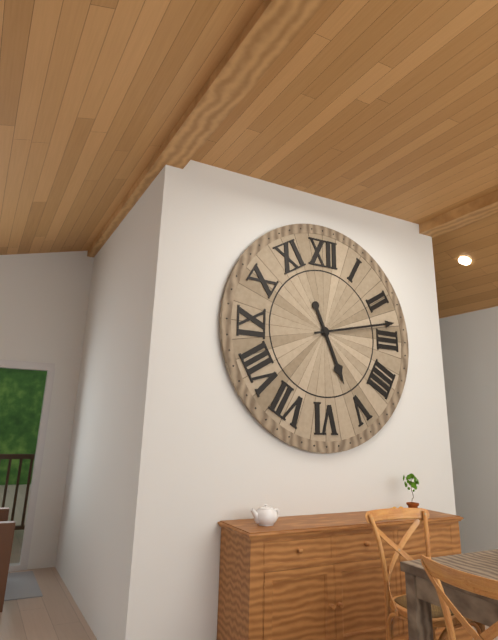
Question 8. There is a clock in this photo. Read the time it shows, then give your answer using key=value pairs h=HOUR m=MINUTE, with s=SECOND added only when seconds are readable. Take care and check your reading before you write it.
h=5 m=13
